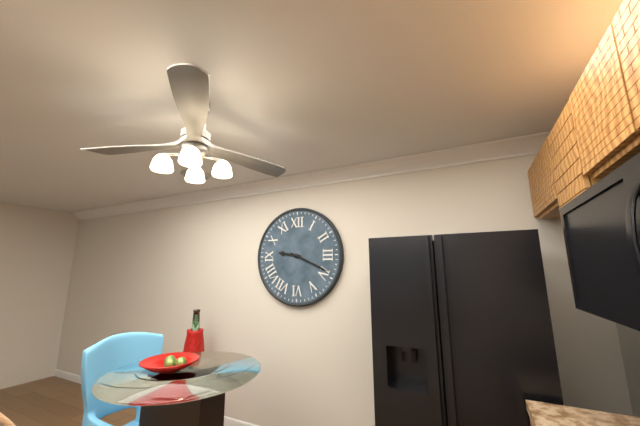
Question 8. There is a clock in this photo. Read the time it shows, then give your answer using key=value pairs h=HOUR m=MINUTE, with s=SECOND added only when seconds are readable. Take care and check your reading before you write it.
h=9 m=19
